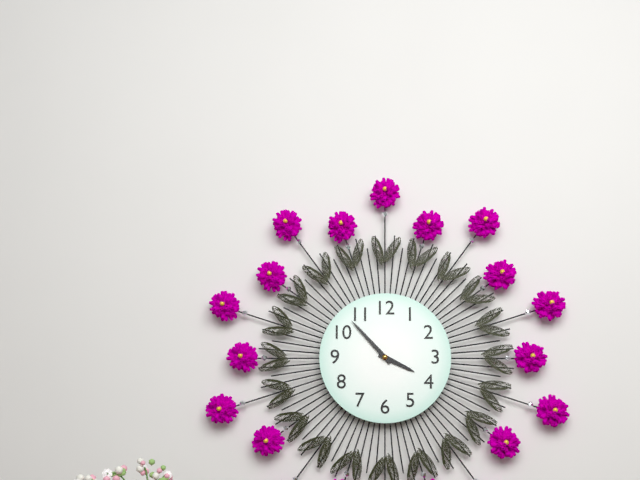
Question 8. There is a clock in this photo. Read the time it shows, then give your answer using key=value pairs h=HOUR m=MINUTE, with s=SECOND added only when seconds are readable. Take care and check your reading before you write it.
h=3 m=53
